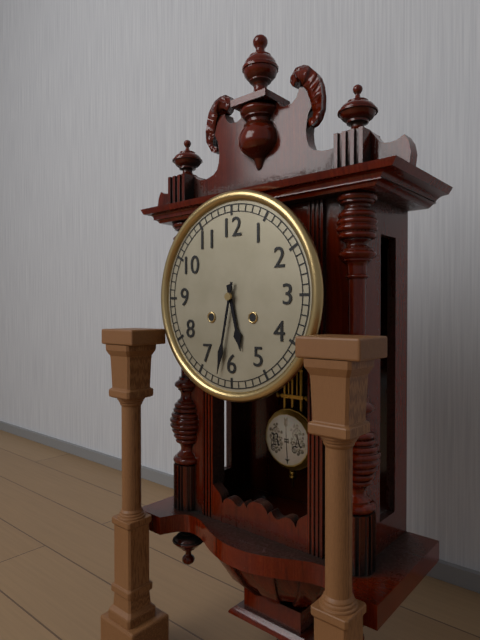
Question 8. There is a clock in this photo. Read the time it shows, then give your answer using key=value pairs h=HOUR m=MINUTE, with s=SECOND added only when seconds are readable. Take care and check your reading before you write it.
h=5 m=32
